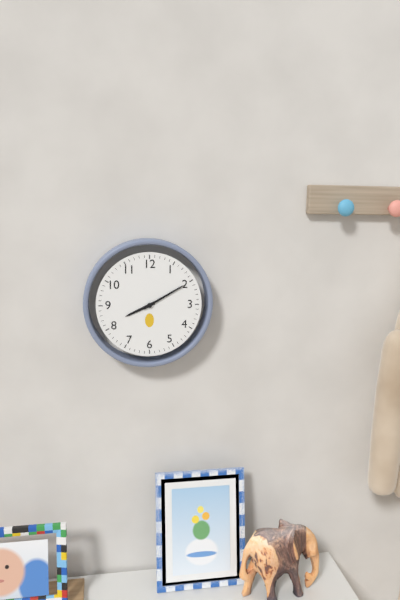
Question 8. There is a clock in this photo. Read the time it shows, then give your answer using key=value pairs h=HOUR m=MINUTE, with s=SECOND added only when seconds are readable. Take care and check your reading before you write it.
h=8 m=10
